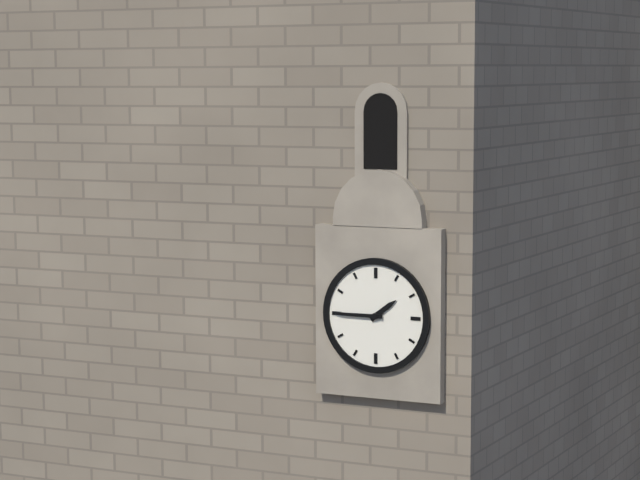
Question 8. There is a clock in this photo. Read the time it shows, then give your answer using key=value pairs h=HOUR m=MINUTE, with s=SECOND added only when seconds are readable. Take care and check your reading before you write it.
h=1 m=45
